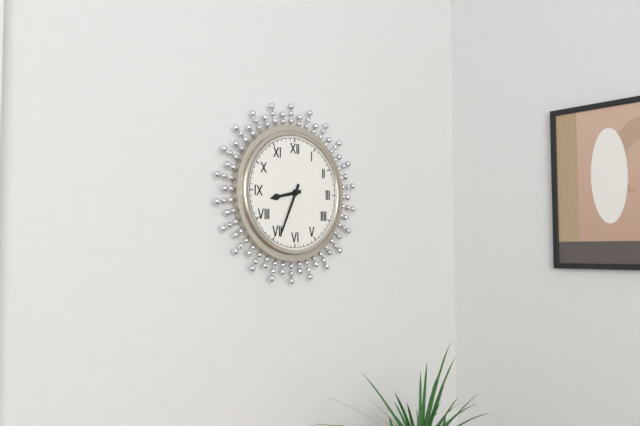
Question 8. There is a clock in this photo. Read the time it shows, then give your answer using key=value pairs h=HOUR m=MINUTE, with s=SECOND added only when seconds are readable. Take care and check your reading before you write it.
h=8 m=34
